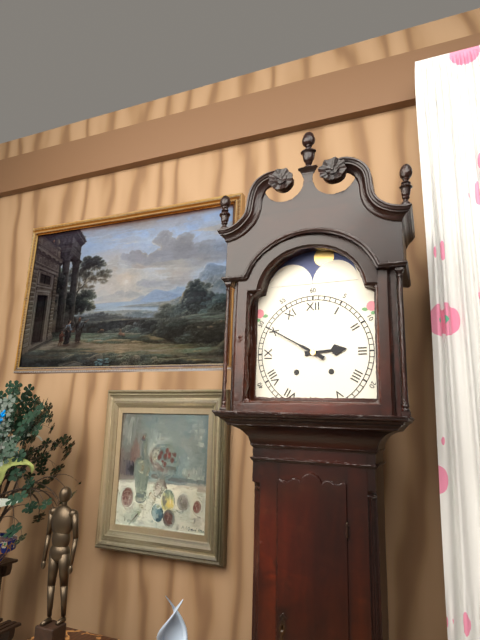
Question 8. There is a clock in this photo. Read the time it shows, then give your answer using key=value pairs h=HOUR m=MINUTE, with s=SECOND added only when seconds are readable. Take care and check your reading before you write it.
h=2 m=50
